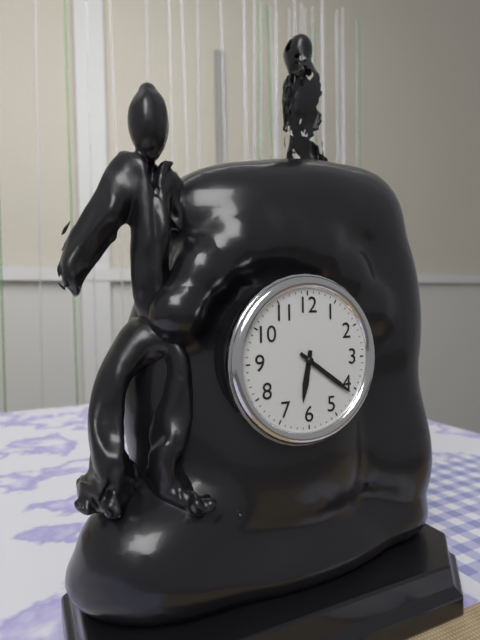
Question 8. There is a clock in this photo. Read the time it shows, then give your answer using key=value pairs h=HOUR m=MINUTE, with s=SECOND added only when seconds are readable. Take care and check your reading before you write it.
h=6 m=21
